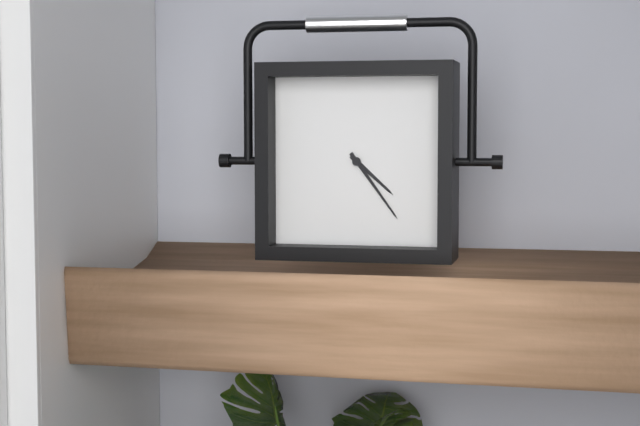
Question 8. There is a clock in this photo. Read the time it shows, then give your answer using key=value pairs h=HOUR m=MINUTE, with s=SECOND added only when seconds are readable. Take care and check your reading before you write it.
h=4 m=24
